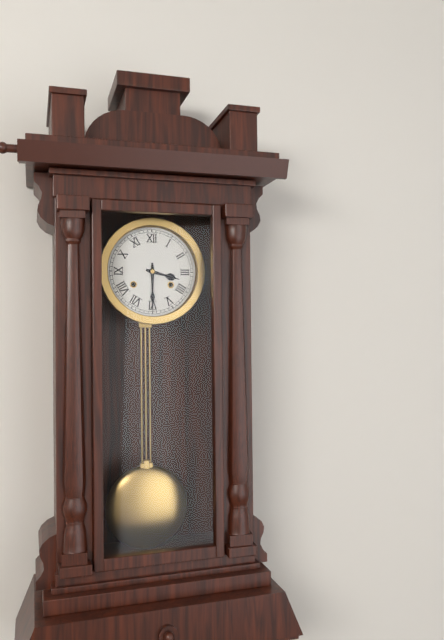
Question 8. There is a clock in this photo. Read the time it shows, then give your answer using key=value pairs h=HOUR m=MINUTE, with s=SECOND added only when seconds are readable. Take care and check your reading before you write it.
h=3 m=30
